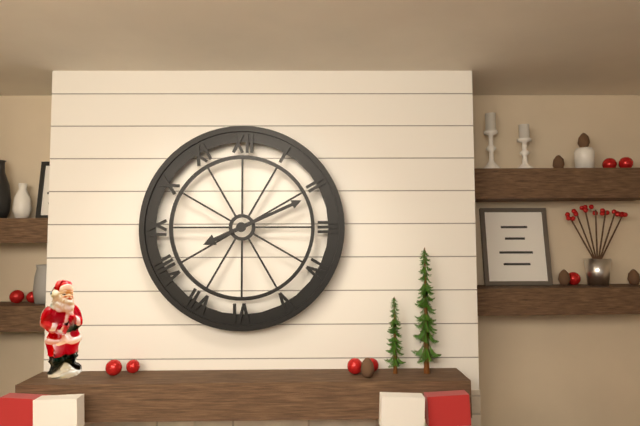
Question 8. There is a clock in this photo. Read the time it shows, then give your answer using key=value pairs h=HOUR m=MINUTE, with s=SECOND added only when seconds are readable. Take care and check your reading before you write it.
h=8 m=11
